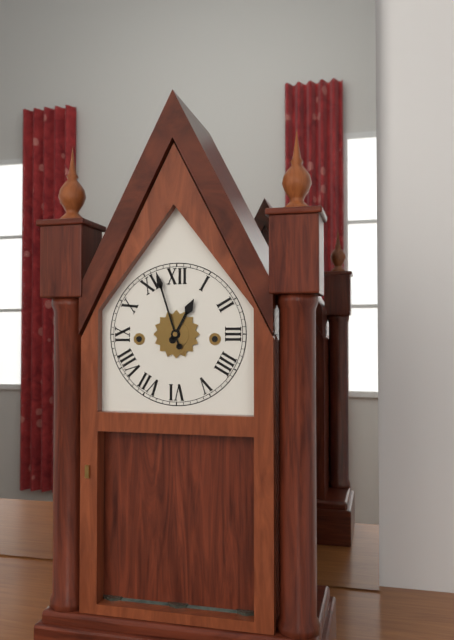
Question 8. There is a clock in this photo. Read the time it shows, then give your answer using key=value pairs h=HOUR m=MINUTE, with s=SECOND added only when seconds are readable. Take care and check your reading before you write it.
h=12 m=57
